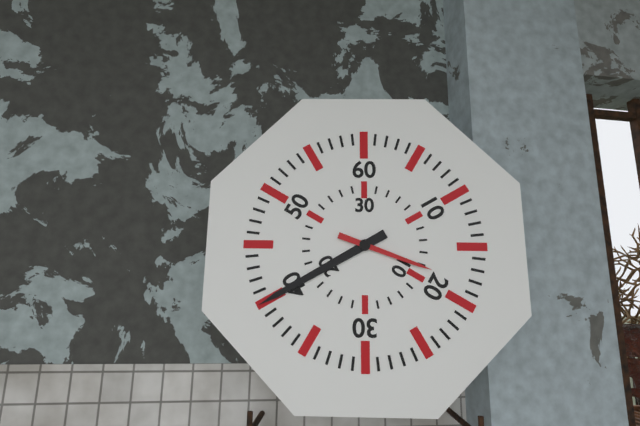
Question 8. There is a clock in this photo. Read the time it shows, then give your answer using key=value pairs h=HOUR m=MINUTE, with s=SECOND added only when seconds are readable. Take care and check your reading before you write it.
h=3 m=40
